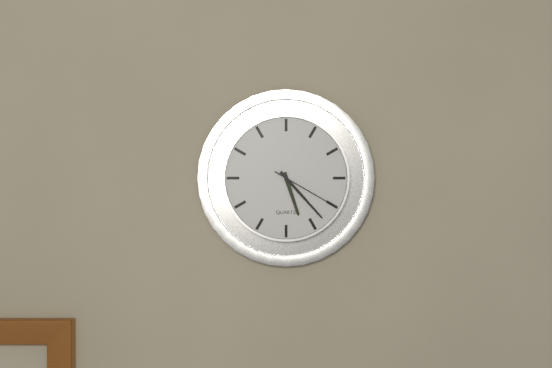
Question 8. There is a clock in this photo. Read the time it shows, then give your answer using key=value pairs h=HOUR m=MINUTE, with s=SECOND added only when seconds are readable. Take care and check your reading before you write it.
h=5 m=23 s=20
